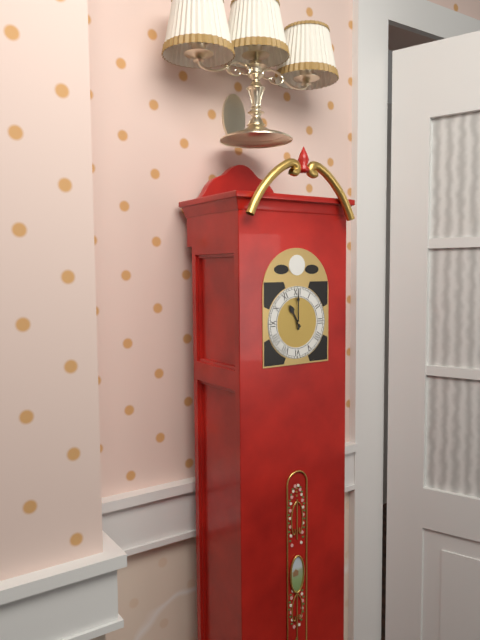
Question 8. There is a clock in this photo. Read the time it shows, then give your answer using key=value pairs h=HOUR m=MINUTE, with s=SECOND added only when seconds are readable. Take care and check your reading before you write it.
h=11 m=0
